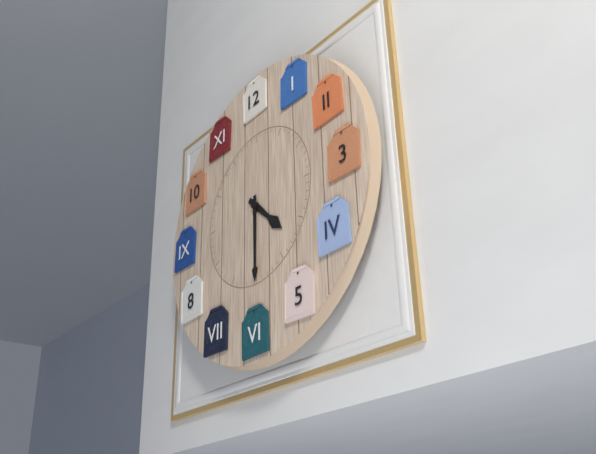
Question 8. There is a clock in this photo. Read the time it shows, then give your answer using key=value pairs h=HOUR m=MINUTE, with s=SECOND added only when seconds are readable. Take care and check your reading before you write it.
h=4 m=30
